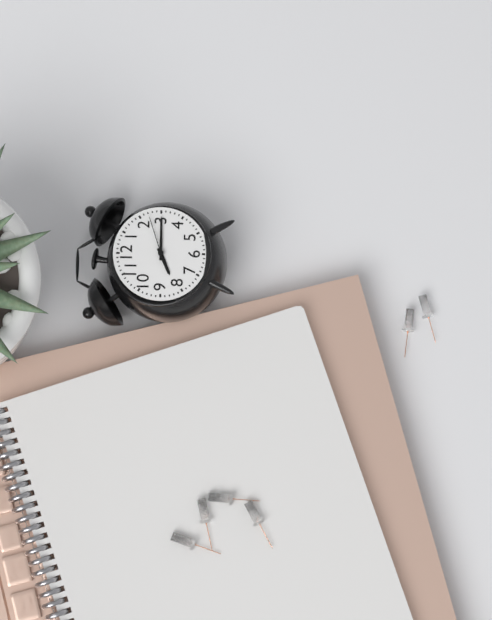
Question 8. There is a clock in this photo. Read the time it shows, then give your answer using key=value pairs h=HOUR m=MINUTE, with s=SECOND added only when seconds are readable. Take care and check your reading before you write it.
h=8 m=15 s=12
